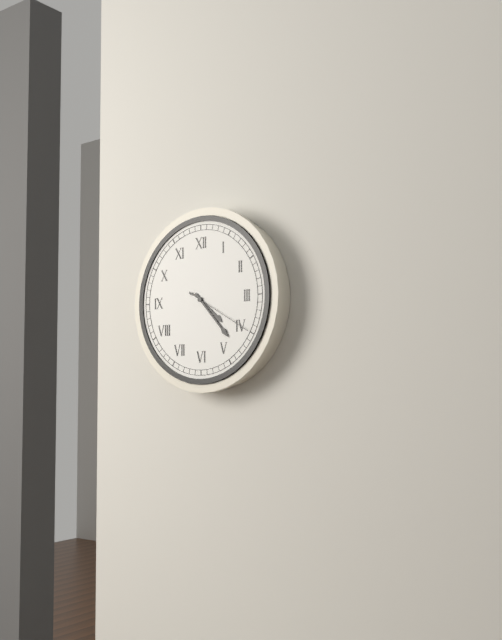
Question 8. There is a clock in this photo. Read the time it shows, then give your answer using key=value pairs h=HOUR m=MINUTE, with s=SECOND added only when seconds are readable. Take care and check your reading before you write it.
h=4 m=23 s=20
